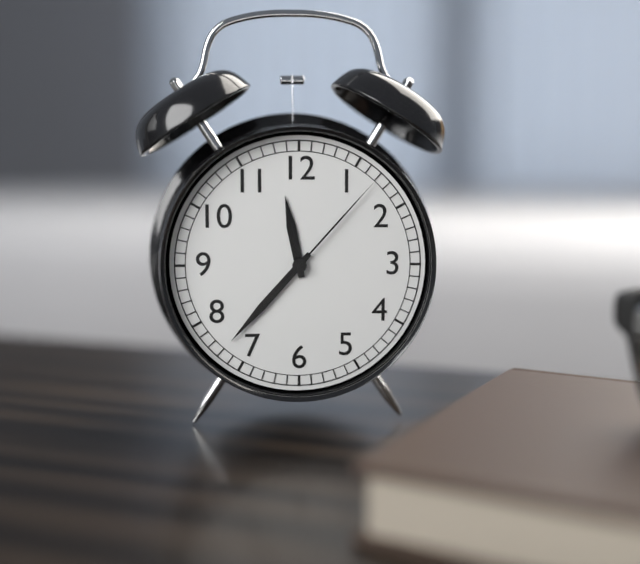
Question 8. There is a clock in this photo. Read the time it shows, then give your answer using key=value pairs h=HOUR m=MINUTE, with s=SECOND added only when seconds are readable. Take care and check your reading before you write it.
h=11 m=37 s=7
